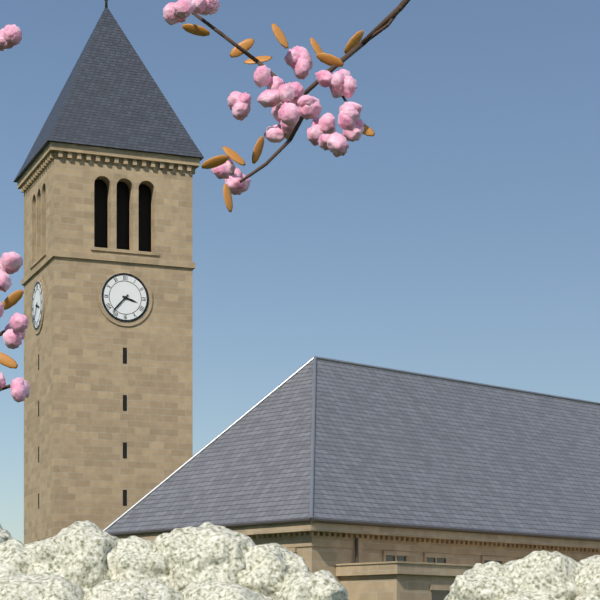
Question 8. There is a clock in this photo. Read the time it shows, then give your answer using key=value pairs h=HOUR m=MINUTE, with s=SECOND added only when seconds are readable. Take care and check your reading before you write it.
h=3 m=37
